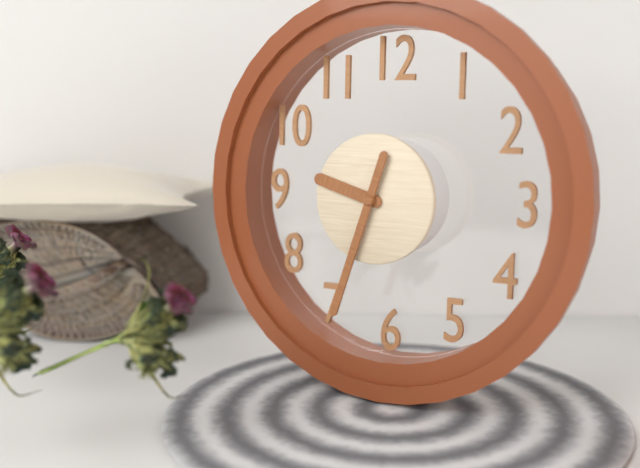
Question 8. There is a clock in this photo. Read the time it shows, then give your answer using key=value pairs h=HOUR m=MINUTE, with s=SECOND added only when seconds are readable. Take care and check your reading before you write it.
h=9 m=33
